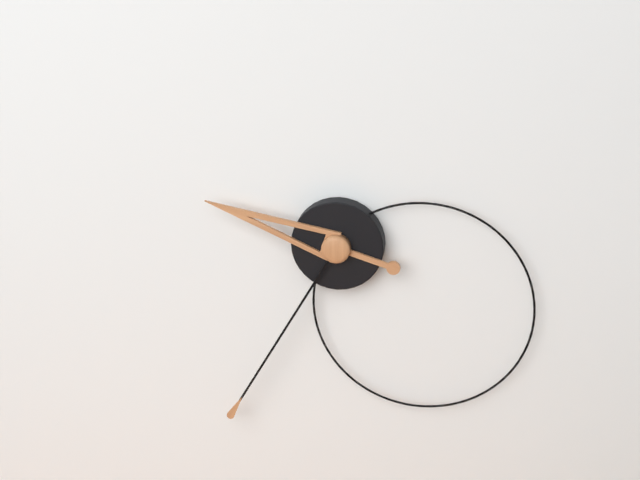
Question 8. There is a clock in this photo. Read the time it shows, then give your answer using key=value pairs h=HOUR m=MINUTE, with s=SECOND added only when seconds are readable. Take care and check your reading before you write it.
h=9 m=35
